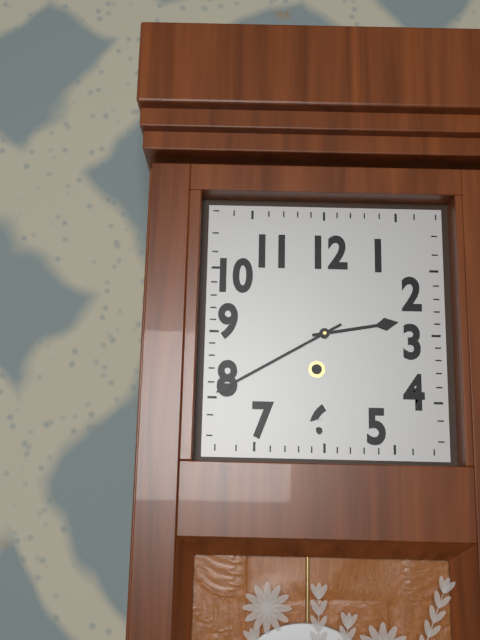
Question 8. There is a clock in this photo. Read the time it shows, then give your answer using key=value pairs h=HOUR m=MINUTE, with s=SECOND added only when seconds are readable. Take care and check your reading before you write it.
h=2 m=40
